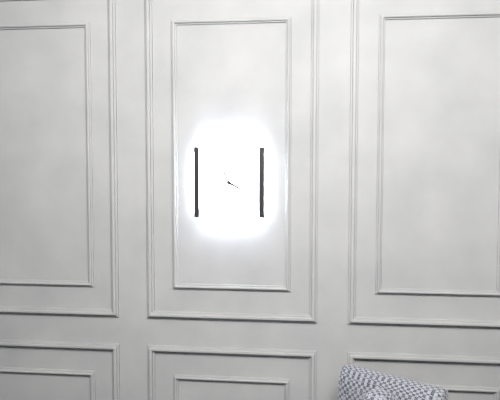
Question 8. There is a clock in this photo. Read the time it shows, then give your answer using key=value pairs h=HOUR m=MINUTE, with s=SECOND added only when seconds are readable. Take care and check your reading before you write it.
h=3 m=56
